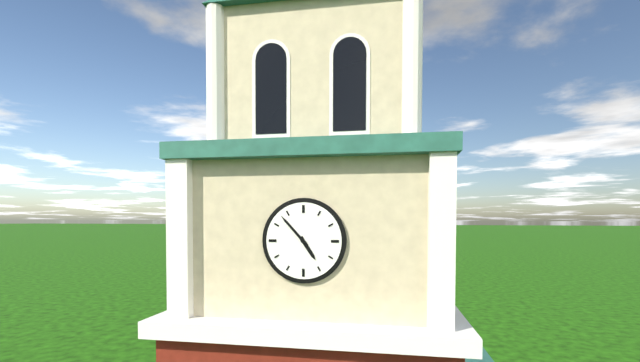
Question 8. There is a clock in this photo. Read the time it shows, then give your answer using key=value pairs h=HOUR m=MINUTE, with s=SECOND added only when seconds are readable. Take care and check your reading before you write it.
h=4 m=53
